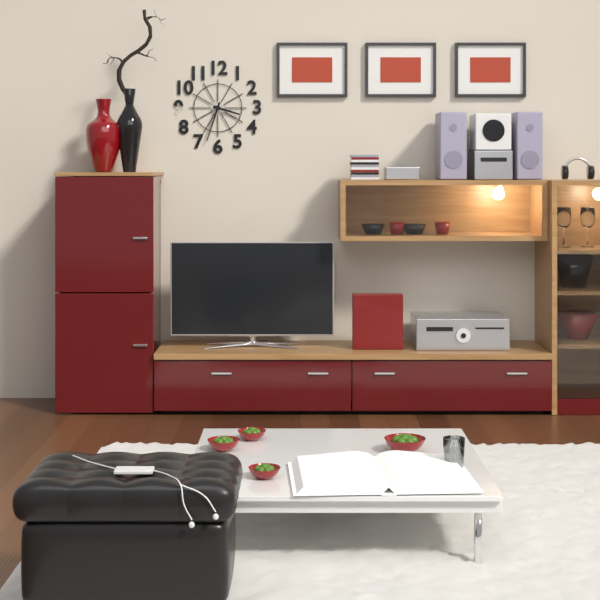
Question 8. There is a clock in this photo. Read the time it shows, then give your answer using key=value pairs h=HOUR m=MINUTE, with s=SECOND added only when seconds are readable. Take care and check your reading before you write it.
h=3 m=33
